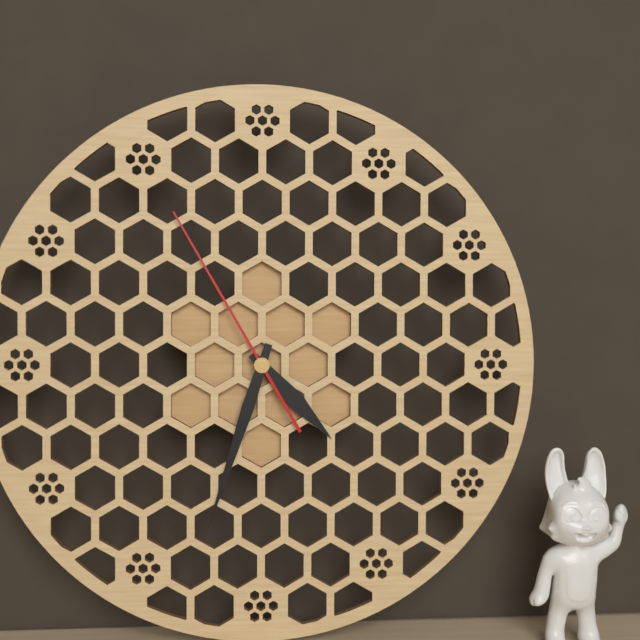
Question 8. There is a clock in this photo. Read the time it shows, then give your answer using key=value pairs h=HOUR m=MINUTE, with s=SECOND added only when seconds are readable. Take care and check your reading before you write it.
h=4 m=33 s=55
